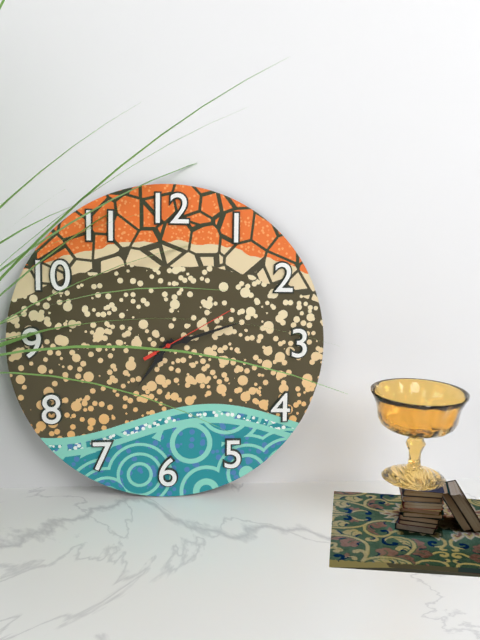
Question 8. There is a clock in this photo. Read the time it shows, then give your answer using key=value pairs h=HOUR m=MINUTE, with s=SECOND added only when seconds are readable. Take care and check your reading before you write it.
h=7 m=12 s=10
